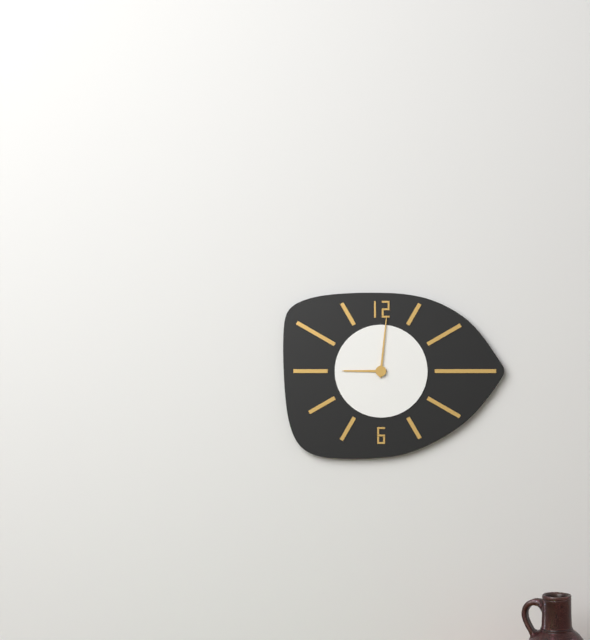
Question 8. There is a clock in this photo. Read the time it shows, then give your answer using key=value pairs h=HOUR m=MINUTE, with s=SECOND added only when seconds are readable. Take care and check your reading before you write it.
h=9 m=1
